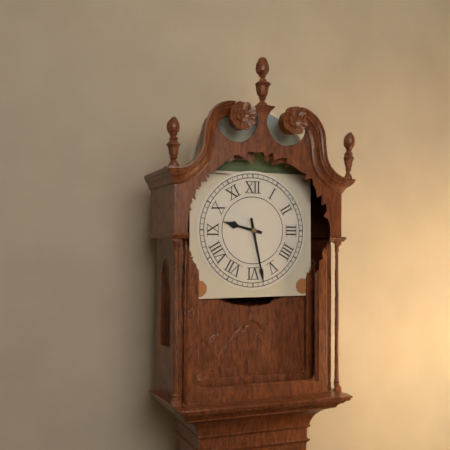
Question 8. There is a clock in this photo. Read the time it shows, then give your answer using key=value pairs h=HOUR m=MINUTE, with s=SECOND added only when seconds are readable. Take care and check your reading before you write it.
h=9 m=28
